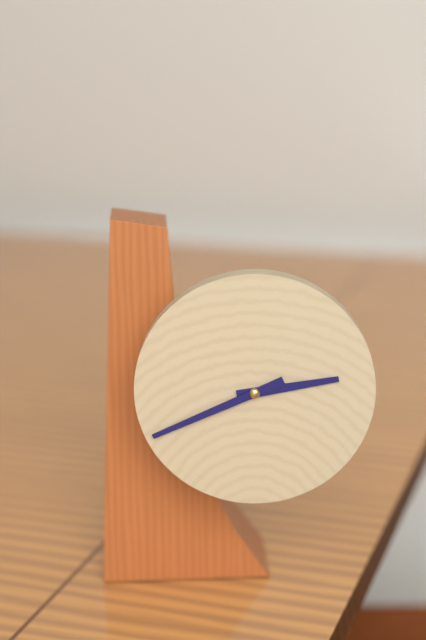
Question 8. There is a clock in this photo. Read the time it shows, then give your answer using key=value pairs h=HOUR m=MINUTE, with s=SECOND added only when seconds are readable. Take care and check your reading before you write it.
h=2 m=41
